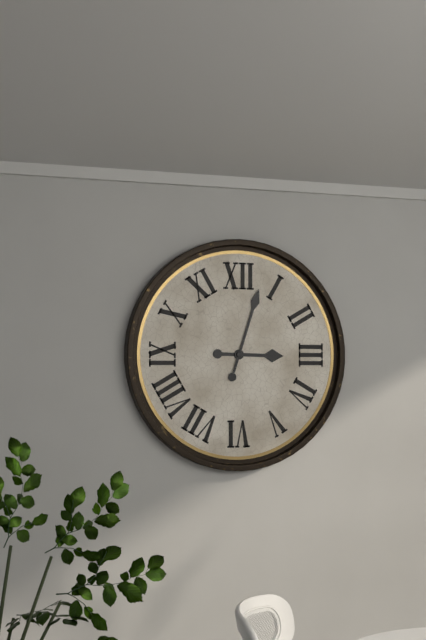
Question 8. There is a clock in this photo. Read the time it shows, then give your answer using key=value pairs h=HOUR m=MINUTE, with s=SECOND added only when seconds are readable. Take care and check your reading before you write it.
h=3 m=3
